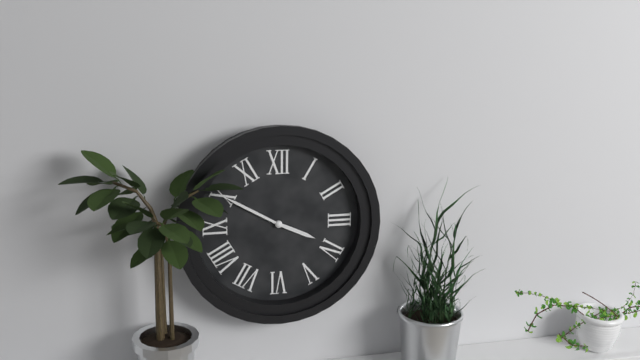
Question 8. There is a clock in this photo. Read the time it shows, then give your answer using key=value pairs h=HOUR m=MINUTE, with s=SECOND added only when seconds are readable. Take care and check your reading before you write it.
h=3 m=50
